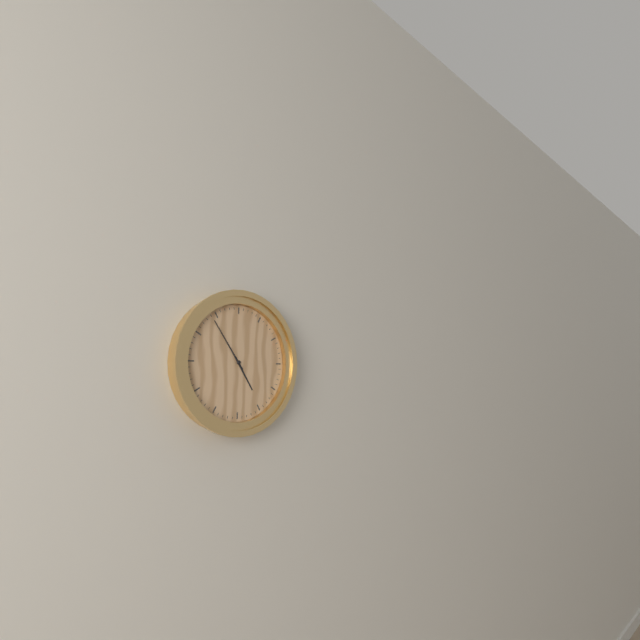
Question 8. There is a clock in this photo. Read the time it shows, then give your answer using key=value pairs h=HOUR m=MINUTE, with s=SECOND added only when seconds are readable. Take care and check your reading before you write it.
h=4 m=54
